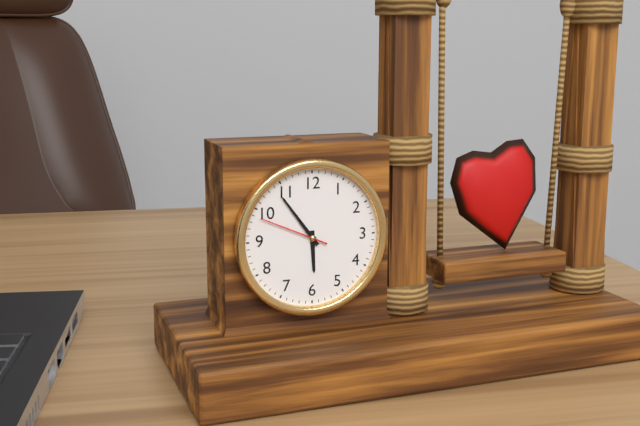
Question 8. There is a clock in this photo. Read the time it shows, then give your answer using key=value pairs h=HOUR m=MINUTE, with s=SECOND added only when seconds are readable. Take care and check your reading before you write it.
h=5 m=54 s=49
